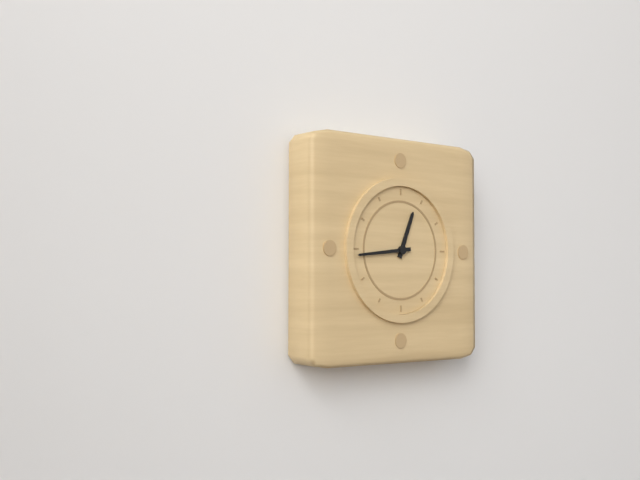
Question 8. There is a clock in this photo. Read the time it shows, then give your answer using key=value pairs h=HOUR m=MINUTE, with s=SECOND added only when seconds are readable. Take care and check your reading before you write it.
h=12 m=44
